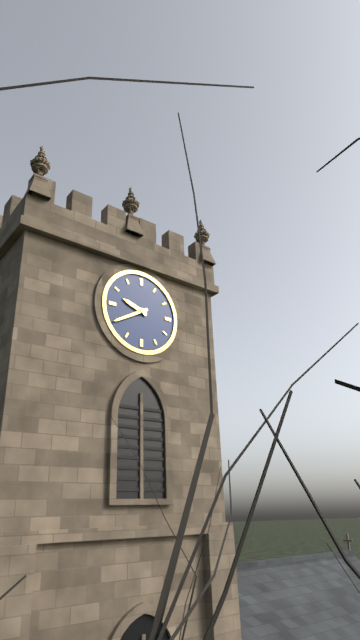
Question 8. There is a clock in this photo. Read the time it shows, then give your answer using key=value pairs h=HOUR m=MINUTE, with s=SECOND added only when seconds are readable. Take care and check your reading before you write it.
h=9 m=40
